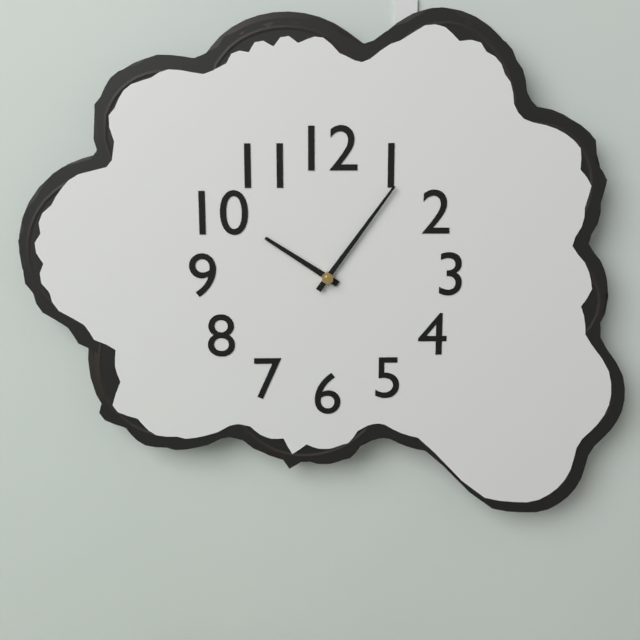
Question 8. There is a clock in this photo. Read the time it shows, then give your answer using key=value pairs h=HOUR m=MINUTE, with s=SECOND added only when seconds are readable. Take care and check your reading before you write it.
h=10 m=6
